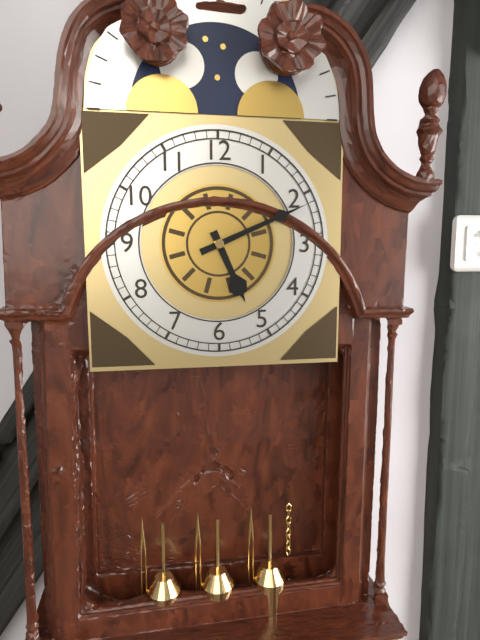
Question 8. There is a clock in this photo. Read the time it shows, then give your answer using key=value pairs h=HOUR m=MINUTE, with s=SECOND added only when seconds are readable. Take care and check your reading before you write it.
h=5 m=11
